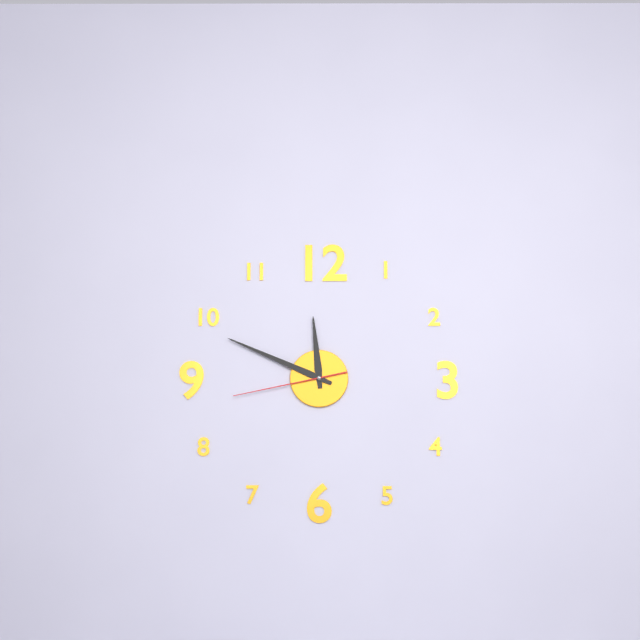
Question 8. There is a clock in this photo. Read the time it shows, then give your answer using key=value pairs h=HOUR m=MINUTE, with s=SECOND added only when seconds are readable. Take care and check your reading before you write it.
h=11 m=49 s=43
